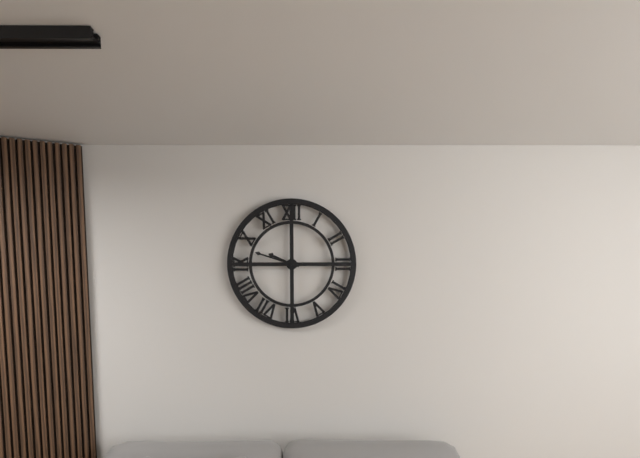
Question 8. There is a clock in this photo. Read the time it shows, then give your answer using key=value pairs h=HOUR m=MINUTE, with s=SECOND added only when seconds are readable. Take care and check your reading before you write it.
h=9 m=48
